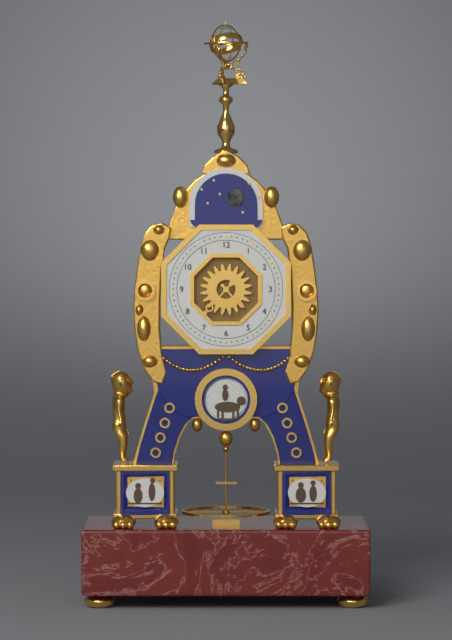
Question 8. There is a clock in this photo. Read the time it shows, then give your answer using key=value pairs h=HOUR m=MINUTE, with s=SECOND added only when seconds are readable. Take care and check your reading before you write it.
h=4 m=37
